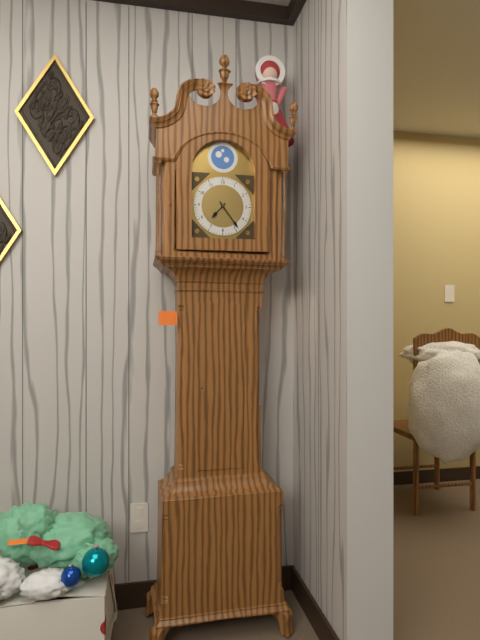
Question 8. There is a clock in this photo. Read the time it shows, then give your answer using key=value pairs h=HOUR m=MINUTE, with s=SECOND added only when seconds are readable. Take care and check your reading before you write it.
h=7 m=24
